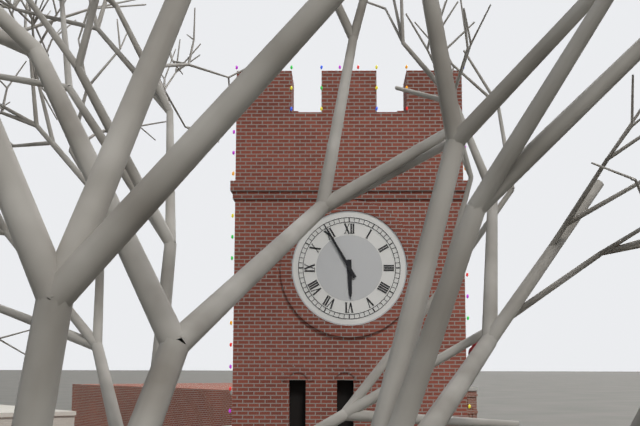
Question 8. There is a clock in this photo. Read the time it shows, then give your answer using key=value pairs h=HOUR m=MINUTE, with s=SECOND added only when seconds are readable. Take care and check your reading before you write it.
h=5 m=55
